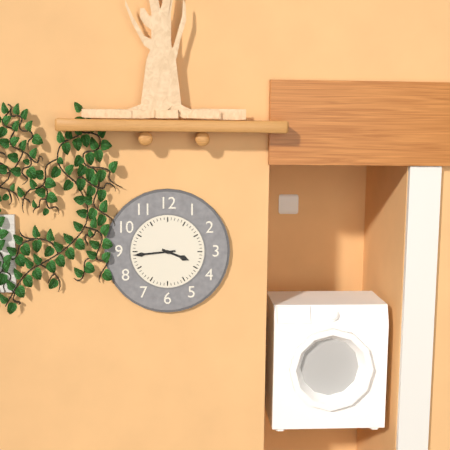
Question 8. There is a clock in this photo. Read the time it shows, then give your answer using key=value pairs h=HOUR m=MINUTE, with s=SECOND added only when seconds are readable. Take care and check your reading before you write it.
h=3 m=44
